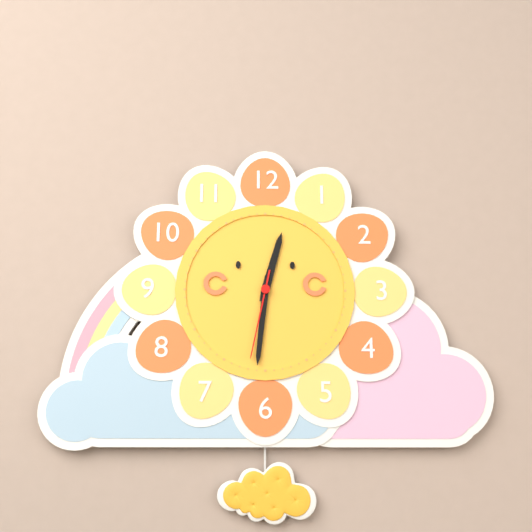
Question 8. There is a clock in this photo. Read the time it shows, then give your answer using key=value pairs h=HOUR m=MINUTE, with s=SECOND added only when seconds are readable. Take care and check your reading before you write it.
h=12 m=31 s=32
